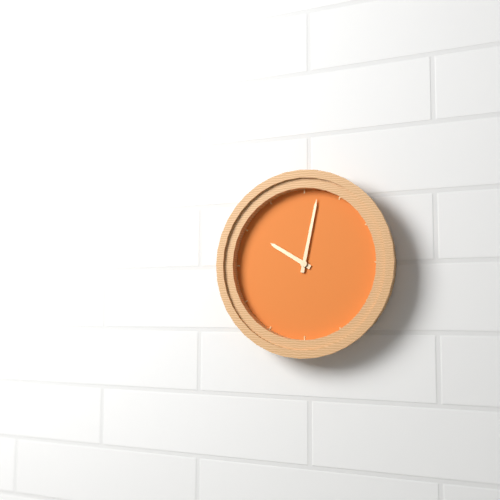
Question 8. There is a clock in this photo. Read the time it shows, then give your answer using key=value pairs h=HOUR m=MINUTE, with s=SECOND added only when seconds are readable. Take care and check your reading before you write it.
h=10 m=2
